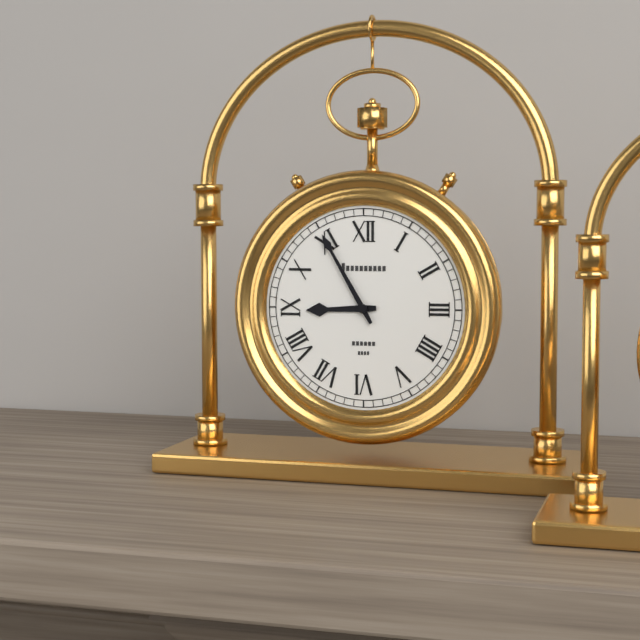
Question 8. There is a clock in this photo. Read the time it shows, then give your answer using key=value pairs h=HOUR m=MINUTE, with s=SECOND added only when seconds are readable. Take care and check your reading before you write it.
h=8 m=55
